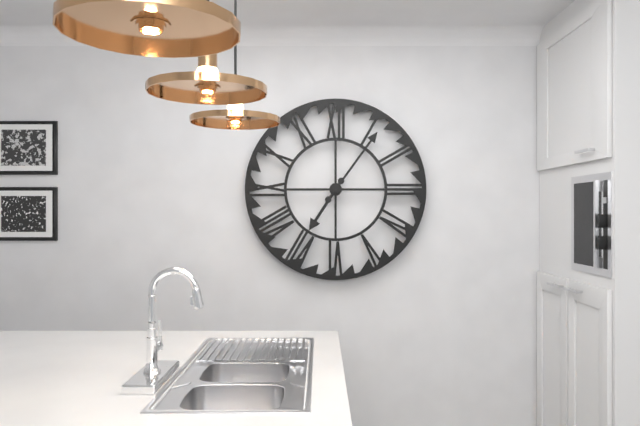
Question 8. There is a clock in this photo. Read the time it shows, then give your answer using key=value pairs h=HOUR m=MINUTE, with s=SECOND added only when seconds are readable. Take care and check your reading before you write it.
h=7 m=6
